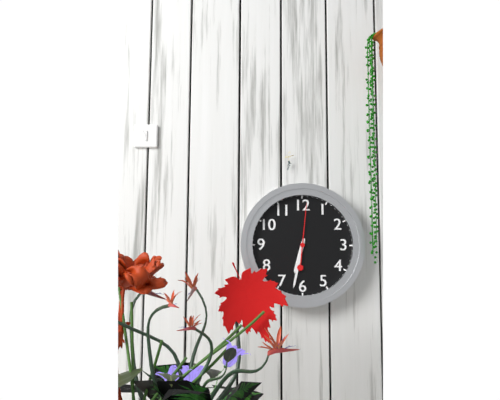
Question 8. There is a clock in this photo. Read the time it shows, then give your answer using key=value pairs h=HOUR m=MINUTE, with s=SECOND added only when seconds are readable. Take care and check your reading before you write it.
h=6 m=32 s=1
